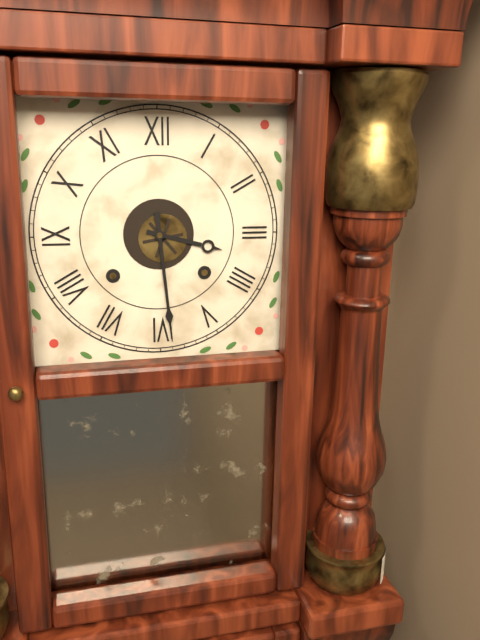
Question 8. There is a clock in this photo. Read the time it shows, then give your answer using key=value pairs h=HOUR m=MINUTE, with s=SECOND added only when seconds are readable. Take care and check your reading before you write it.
h=3 m=29
